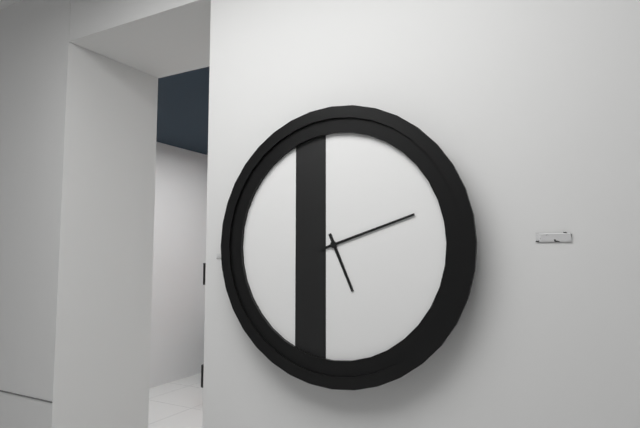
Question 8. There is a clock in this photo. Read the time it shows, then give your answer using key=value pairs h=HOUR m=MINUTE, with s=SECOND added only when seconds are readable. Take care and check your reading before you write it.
h=5 m=12
